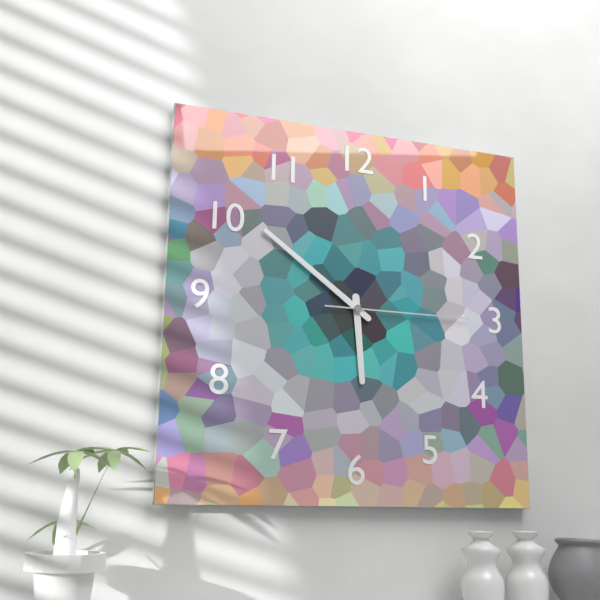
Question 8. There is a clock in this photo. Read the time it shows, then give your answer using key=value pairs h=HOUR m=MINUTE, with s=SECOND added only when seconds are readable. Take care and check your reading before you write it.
h=5 m=51 s=15
